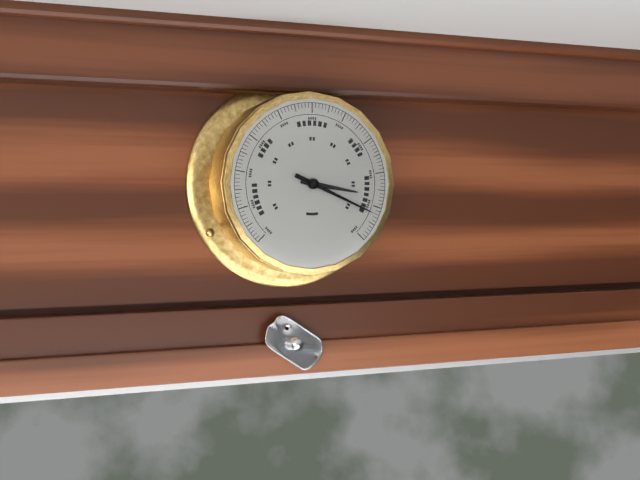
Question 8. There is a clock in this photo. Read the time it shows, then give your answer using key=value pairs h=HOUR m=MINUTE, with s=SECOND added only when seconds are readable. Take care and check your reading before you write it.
h=3 m=19
